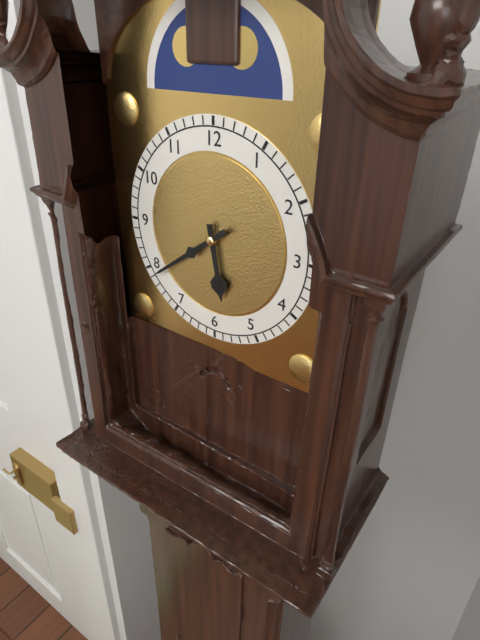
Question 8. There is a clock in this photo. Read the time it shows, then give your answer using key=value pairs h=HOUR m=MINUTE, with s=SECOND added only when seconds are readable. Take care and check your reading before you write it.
h=5 m=39
